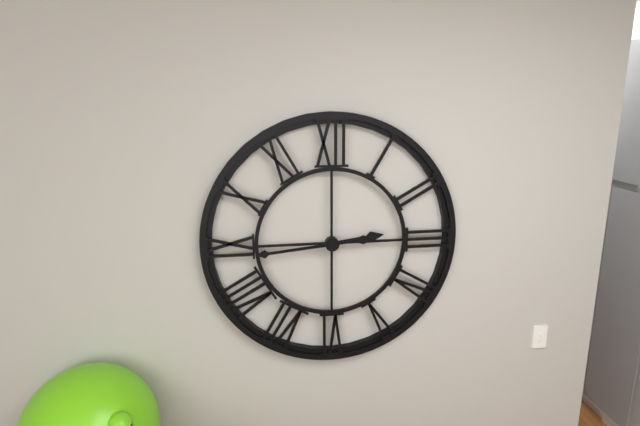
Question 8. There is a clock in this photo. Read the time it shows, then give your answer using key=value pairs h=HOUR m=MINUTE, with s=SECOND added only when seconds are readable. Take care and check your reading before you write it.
h=2 m=44
